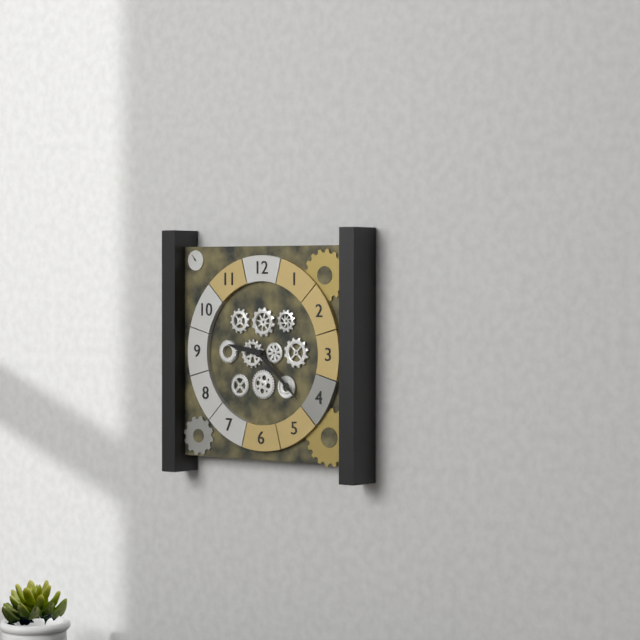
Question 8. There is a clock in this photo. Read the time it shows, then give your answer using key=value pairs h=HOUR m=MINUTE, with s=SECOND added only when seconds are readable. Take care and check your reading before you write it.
h=9 m=22
